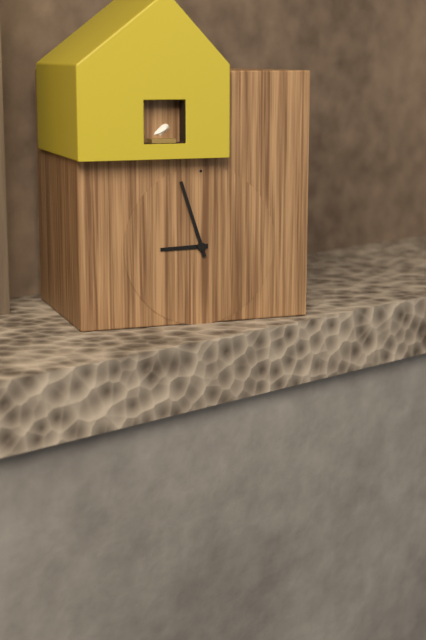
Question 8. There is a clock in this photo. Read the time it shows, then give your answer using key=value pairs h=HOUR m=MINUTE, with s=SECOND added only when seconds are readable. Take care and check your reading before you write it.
h=8 m=57
